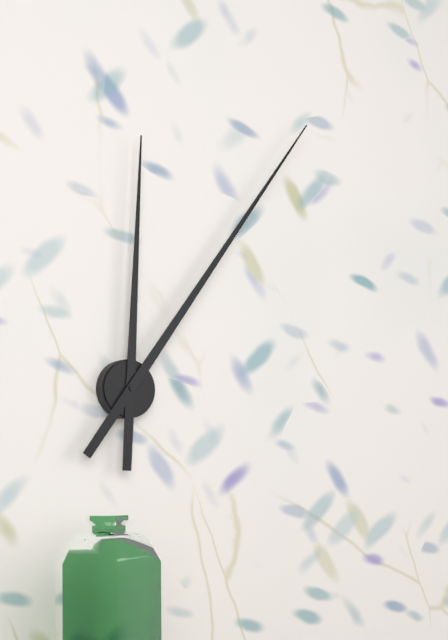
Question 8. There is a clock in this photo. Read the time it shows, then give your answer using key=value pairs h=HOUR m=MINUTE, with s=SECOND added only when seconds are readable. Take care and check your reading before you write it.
h=12 m=6
